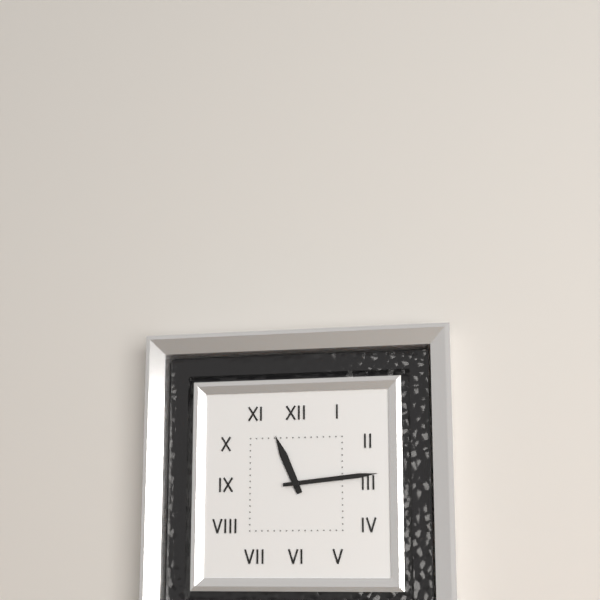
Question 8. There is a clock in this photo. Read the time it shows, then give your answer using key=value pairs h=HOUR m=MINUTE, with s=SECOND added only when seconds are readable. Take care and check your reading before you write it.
h=11 m=14
